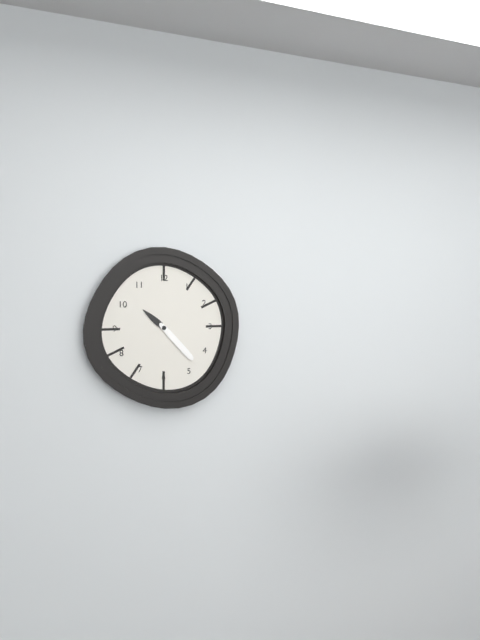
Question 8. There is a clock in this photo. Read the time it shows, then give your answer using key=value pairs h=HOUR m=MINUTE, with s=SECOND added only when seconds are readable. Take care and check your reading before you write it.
h=10 m=23
